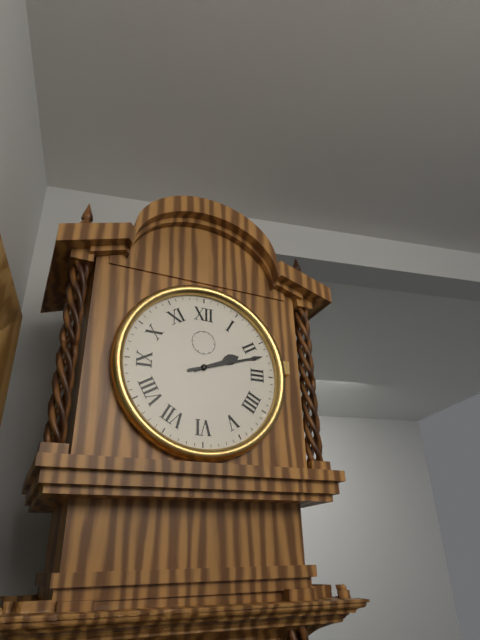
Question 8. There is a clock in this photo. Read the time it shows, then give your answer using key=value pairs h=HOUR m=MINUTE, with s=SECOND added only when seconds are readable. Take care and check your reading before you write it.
h=2 m=12
